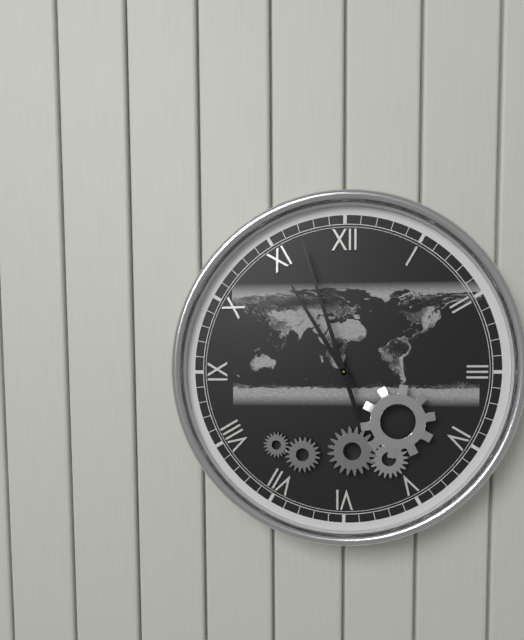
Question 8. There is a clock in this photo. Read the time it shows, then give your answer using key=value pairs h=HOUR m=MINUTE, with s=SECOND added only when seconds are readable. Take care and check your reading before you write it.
h=10 m=57
